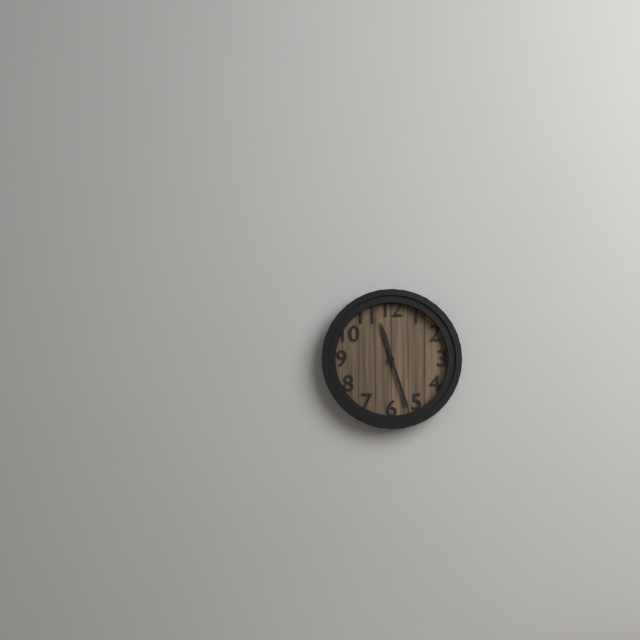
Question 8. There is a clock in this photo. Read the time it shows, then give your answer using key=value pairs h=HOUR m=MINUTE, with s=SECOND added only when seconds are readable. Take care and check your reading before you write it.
h=11 m=27
